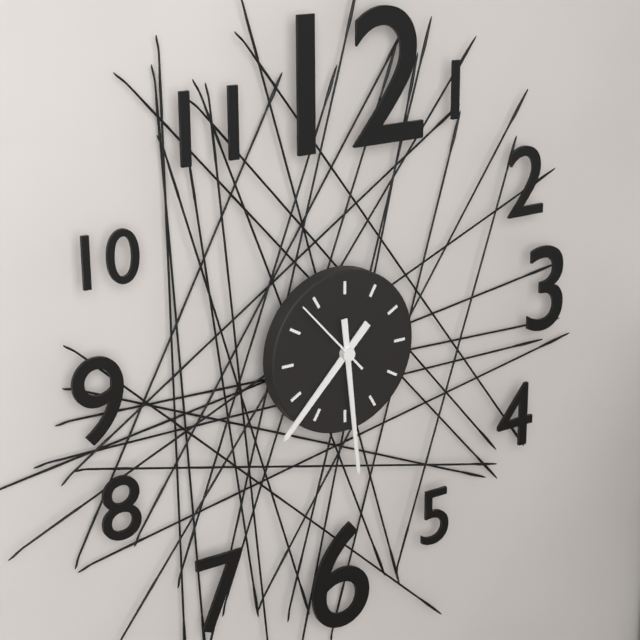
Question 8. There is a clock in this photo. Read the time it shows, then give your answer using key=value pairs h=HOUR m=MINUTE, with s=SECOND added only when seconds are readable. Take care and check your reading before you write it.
h=7 m=29 s=53
